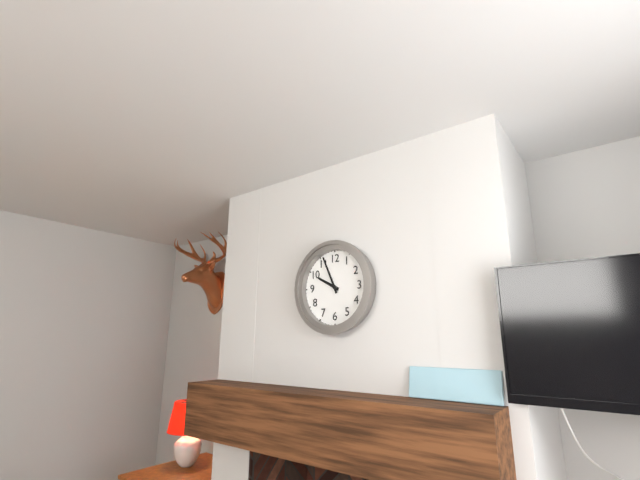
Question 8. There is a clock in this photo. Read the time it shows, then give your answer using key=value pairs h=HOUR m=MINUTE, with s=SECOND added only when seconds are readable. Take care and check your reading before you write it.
h=9 m=56
